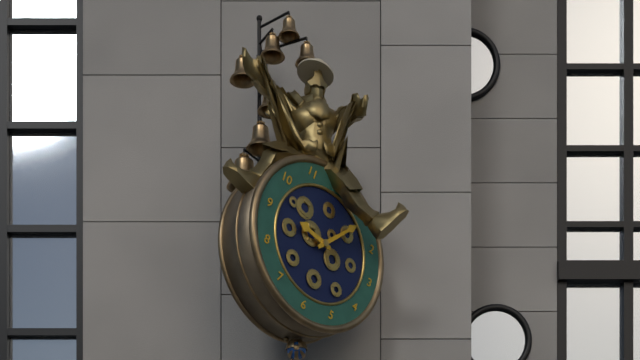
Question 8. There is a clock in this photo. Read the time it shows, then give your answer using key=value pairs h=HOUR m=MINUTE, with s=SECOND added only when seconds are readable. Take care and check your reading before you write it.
h=9 m=6
